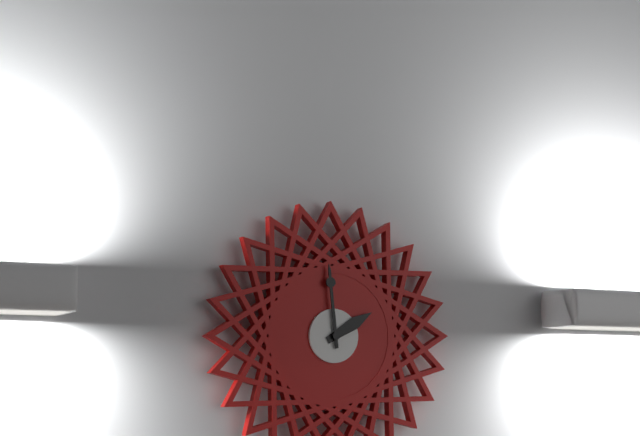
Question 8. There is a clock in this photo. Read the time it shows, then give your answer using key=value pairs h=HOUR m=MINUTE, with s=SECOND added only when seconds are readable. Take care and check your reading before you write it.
h=1 m=59
